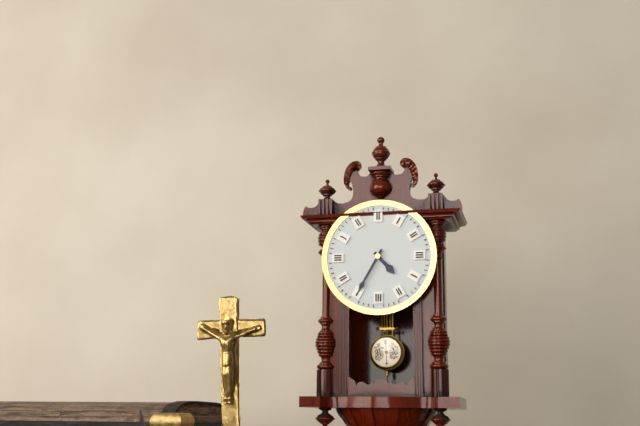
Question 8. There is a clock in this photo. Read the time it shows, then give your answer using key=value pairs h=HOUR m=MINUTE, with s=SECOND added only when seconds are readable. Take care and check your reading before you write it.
h=4 m=35
